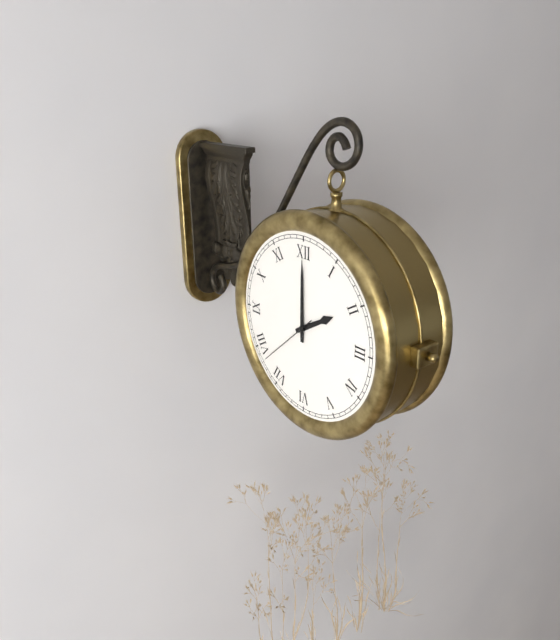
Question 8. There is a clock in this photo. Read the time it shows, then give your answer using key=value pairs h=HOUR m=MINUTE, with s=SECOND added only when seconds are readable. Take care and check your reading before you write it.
h=2 m=0 s=38
